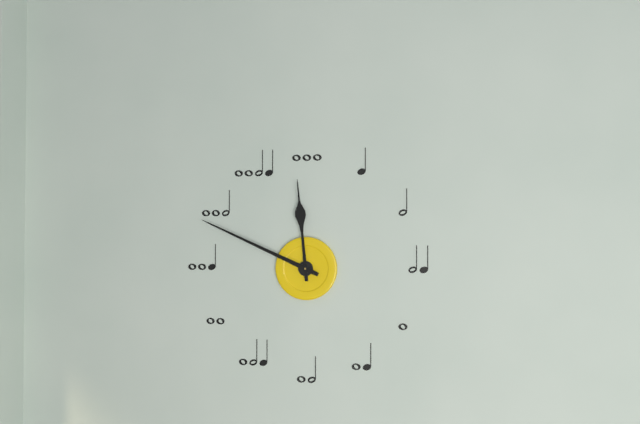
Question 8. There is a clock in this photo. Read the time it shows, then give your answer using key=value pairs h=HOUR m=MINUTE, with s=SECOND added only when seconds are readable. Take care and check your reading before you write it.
h=11 m=49
